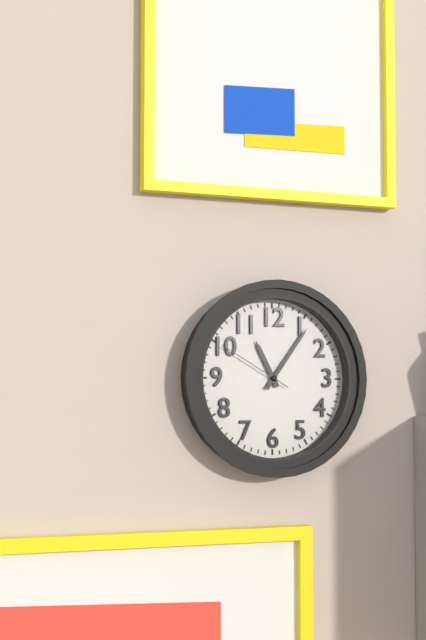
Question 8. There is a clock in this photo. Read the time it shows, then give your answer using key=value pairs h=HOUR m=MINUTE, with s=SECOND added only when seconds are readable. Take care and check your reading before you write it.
h=11 m=6 s=50
